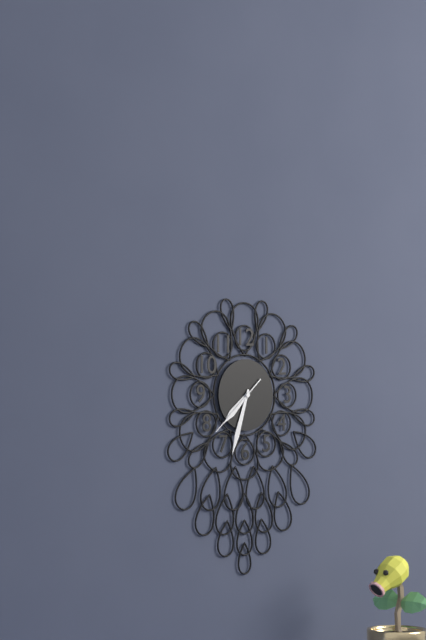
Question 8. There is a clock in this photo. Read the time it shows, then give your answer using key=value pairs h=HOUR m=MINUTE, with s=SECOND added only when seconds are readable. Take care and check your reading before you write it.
h=7 m=33 s=38
